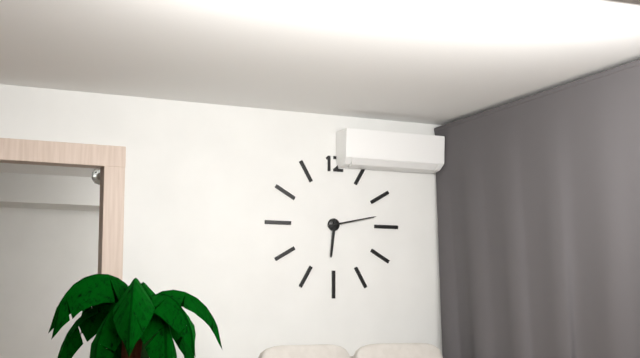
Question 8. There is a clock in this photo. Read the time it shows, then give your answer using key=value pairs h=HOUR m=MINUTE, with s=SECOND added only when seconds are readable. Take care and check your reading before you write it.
h=6 m=13
